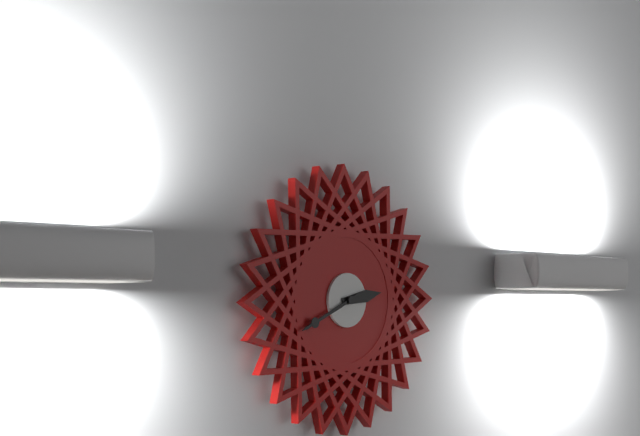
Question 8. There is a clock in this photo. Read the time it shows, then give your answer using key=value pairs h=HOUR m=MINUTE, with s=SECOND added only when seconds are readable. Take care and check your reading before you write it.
h=2 m=41
